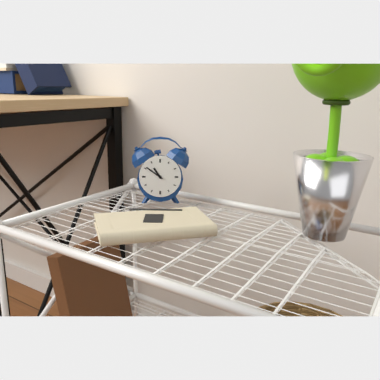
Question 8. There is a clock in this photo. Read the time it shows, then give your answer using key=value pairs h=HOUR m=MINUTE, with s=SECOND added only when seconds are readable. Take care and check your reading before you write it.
h=10 m=51
